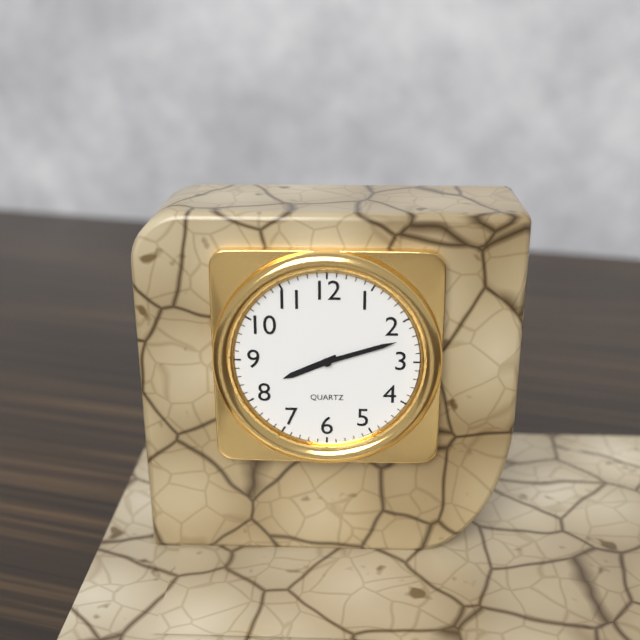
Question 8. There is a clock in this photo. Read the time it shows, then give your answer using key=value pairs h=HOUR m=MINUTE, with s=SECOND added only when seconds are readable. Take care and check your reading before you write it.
h=8 m=12
